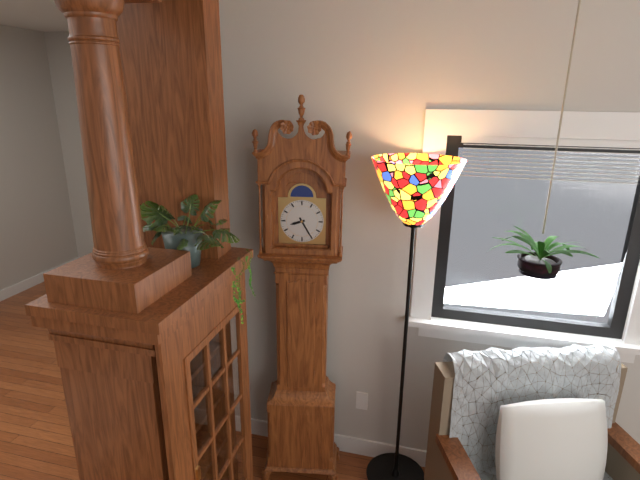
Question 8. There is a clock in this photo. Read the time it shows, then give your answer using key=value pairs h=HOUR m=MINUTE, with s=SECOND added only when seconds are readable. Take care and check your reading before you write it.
h=8 m=25
